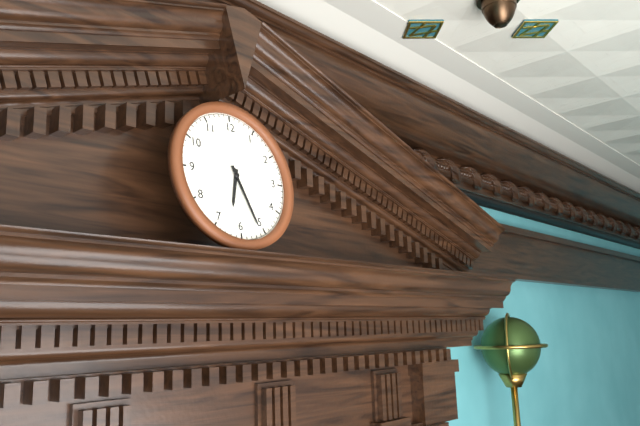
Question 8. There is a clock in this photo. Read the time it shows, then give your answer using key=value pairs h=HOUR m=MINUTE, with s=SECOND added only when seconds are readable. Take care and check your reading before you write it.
h=6 m=26
